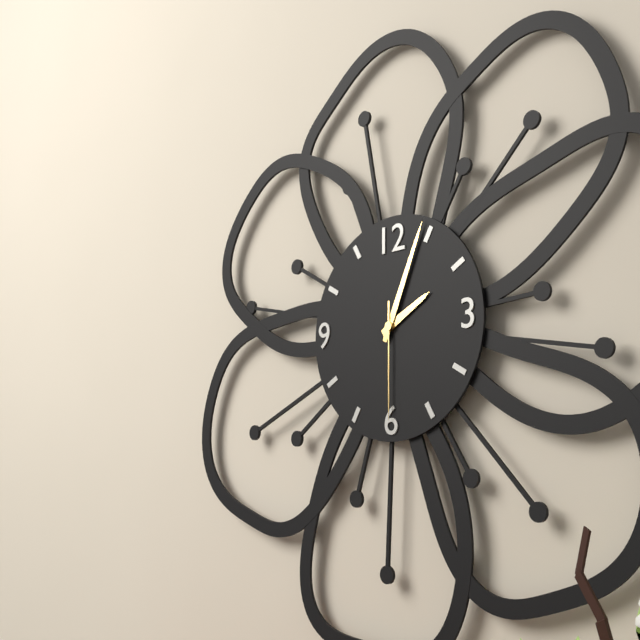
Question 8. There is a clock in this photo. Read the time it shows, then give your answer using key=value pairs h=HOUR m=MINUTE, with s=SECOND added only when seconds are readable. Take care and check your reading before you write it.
h=2 m=4 s=30
